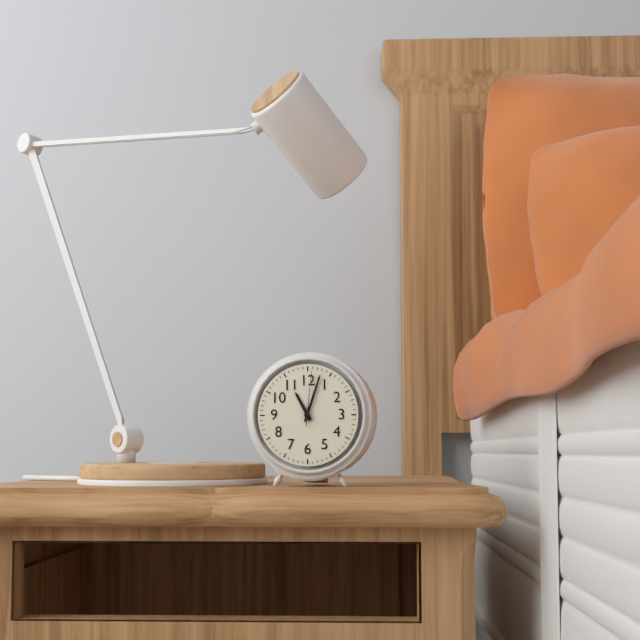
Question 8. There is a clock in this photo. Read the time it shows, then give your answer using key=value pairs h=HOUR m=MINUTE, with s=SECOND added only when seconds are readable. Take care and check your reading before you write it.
h=11 m=3 s=1
